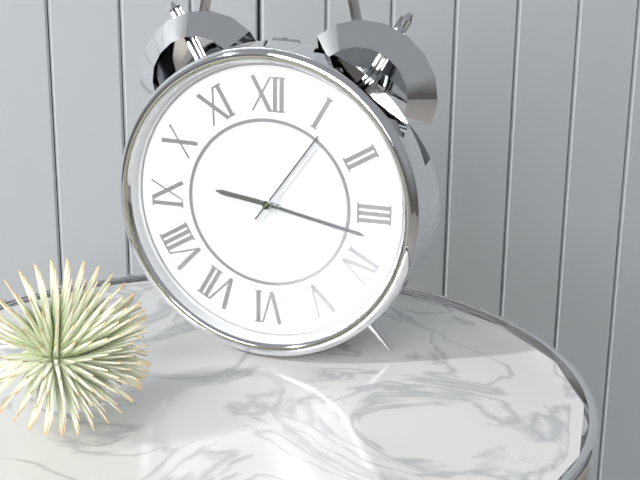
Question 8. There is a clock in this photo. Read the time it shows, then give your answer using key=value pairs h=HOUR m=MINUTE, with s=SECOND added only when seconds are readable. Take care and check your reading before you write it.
h=9 m=17 s=6
